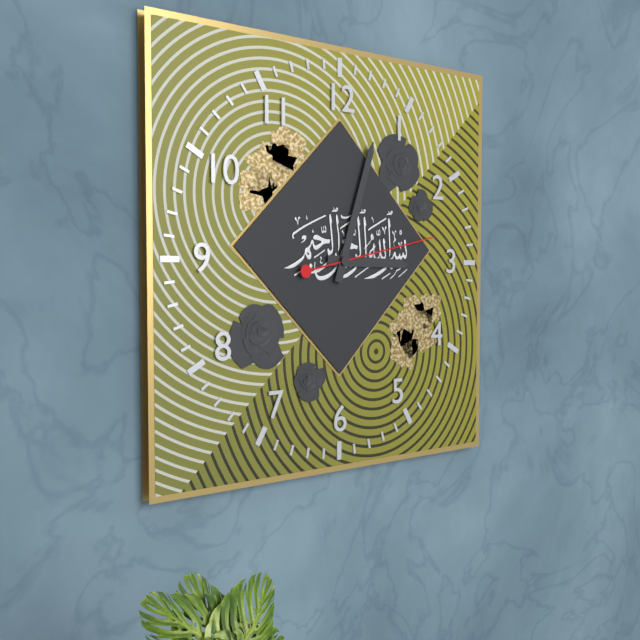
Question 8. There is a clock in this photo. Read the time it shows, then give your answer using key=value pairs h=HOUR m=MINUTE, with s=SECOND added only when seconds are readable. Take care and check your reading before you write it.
h=3 m=3 s=13
